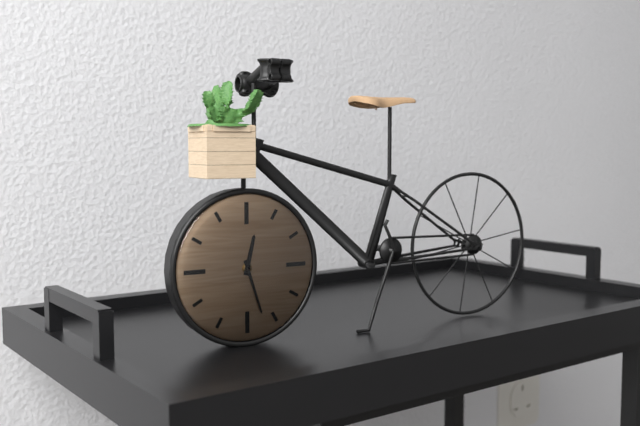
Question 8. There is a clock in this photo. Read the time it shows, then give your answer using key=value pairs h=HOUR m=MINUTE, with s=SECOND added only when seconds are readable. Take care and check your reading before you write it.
h=12 m=27
